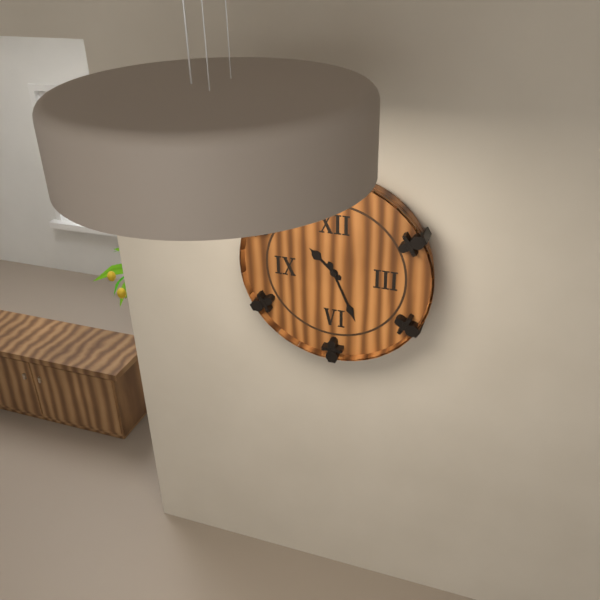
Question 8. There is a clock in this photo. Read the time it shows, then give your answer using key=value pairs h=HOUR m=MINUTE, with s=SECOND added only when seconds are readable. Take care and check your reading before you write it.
h=10 m=26
